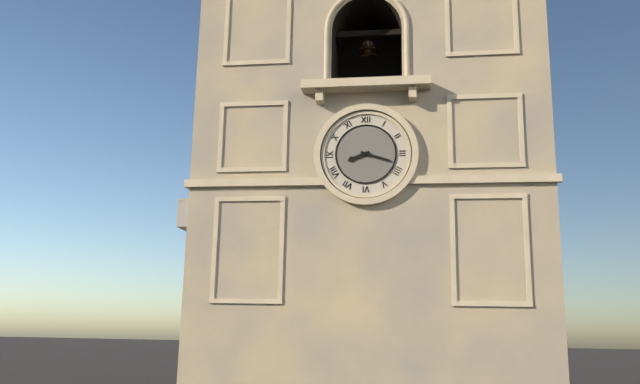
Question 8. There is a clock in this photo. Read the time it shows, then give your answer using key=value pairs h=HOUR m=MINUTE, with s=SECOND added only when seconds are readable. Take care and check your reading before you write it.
h=8 m=18
